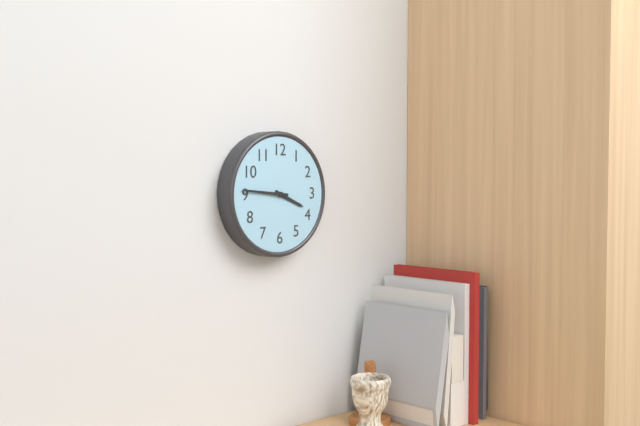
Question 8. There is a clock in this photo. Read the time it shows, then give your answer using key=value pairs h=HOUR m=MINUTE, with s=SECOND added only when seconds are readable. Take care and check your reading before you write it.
h=3 m=46
